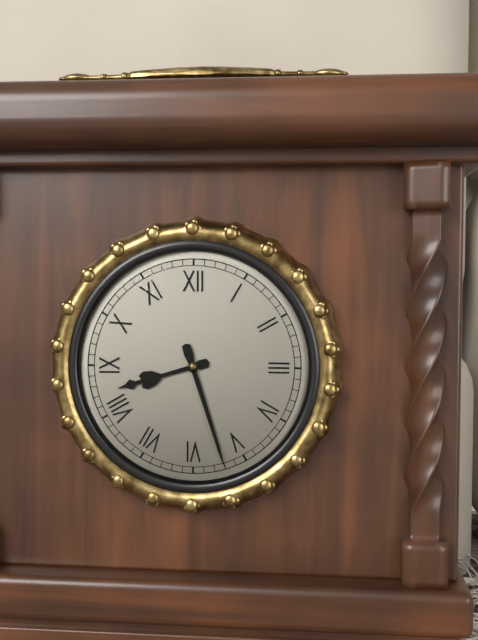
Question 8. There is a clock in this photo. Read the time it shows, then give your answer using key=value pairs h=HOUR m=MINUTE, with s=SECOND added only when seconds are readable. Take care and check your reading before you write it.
h=8 m=27
